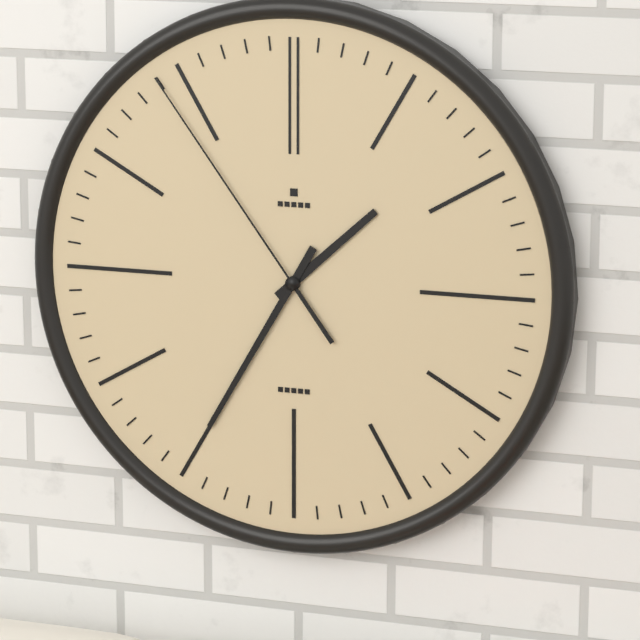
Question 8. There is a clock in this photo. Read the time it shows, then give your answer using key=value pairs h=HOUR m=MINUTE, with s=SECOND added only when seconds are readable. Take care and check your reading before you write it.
h=1 m=35 s=54
